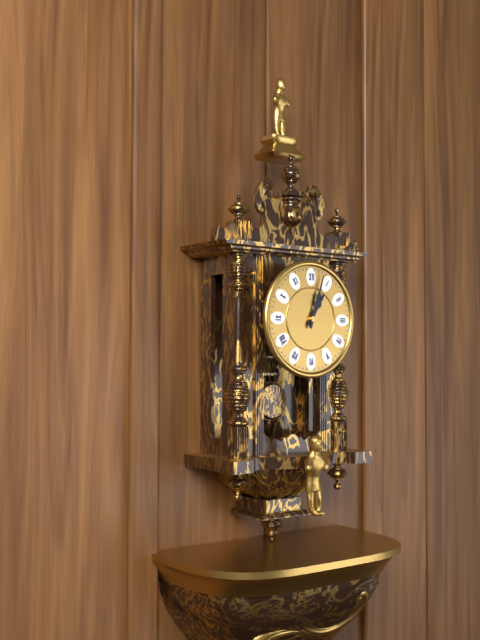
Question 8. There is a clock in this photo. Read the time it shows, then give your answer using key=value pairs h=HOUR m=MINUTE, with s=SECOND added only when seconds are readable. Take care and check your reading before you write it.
h=1 m=3
